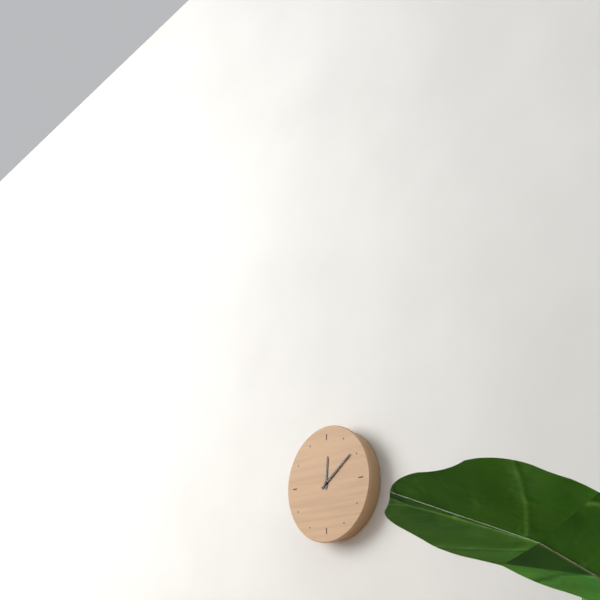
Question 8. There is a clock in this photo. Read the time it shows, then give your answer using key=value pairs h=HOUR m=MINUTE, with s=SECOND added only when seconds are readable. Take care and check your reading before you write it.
h=12 m=9
